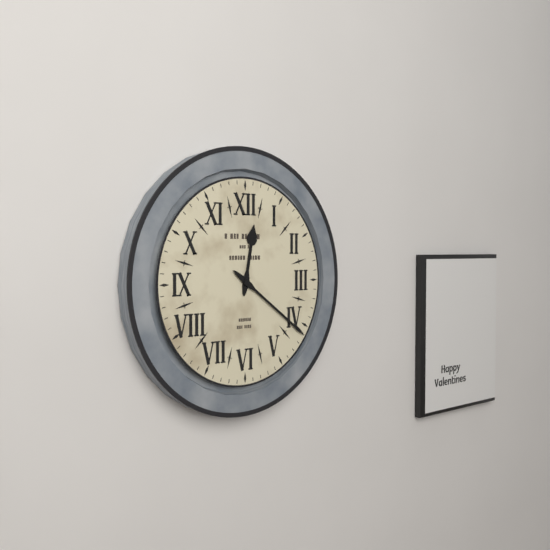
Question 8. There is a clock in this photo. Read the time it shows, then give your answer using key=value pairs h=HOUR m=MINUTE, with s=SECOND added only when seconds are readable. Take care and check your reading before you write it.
h=12 m=21
